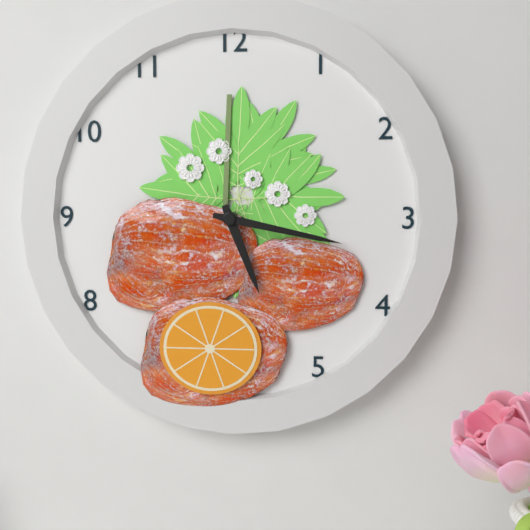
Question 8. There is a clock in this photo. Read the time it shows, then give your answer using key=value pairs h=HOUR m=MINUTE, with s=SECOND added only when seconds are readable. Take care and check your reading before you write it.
h=5 m=17
